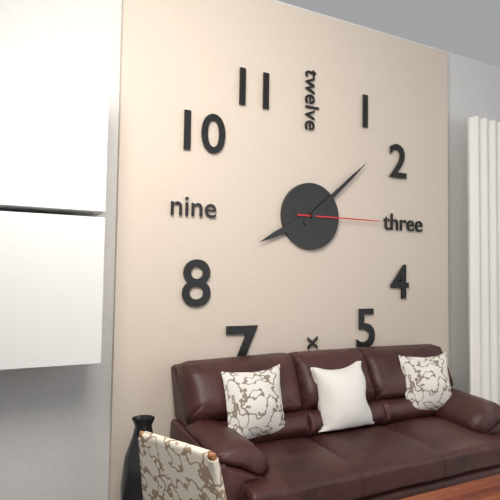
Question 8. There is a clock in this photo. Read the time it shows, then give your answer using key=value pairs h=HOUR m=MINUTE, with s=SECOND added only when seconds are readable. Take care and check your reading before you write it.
h=8 m=8 s=15
